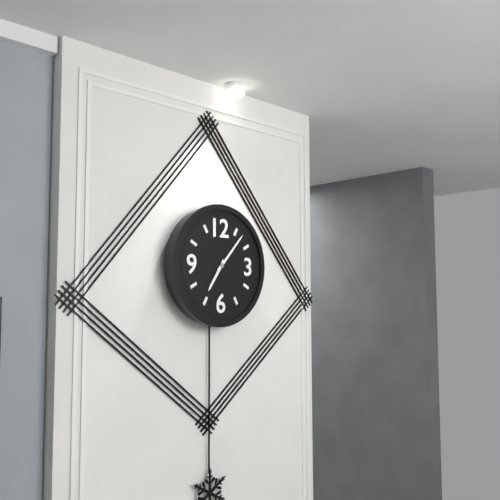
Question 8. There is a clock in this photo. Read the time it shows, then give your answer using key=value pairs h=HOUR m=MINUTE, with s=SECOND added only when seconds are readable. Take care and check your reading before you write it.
h=7 m=7
